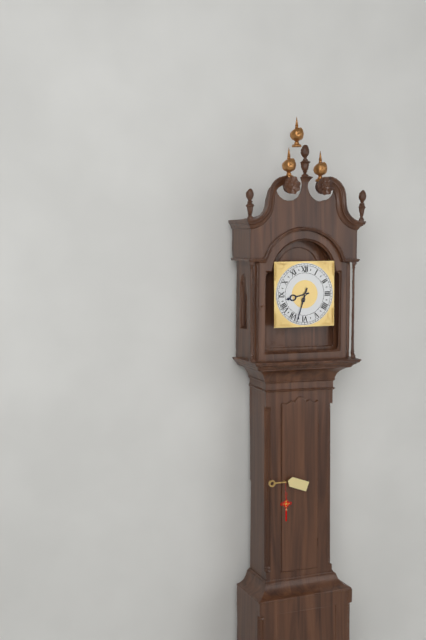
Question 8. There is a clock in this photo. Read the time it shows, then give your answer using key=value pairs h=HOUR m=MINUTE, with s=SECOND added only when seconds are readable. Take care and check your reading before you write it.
h=8 m=33
